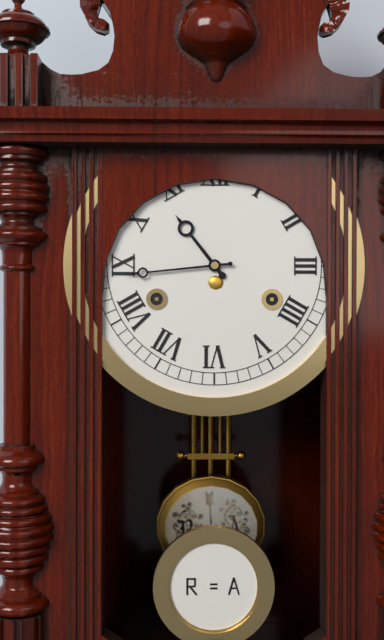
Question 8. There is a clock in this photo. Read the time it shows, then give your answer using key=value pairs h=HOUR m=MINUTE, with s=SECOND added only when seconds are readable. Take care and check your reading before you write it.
h=10 m=44
